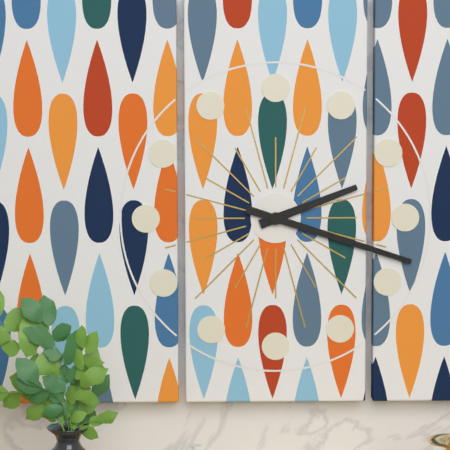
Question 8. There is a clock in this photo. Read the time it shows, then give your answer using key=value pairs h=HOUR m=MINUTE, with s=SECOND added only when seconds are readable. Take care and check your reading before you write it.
h=2 m=18
